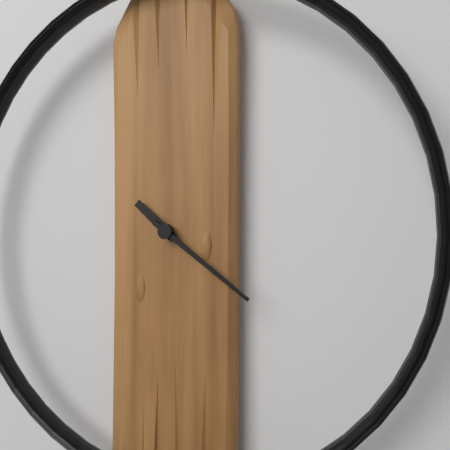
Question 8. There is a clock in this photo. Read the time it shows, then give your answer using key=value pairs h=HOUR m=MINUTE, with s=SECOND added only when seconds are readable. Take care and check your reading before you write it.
h=10 m=21
